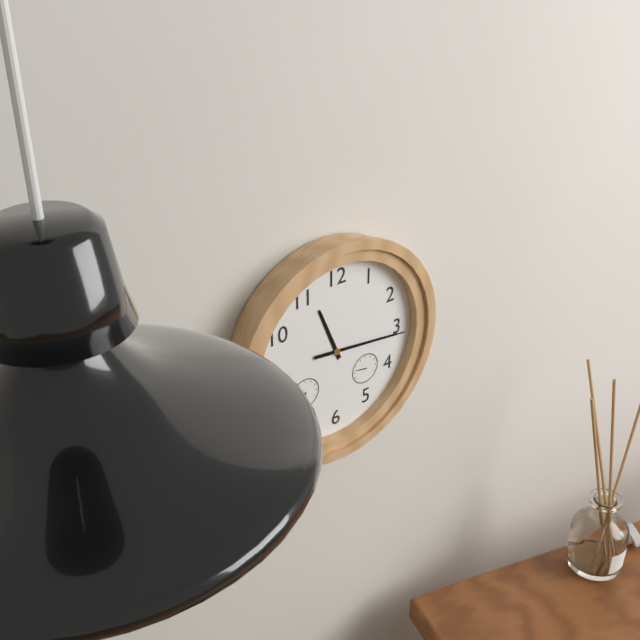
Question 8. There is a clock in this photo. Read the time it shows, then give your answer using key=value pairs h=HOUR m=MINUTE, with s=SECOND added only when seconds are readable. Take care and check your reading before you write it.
h=11 m=16 s=16
